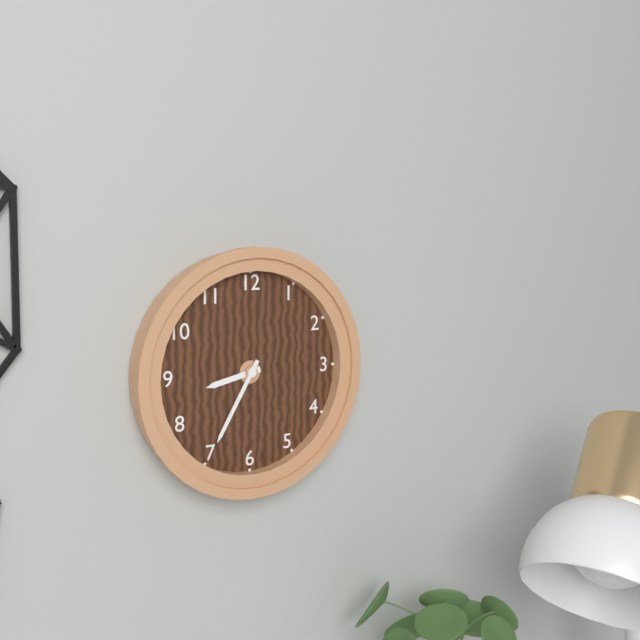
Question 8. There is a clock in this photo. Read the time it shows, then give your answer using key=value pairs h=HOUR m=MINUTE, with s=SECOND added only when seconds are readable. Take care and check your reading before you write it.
h=8 m=35
